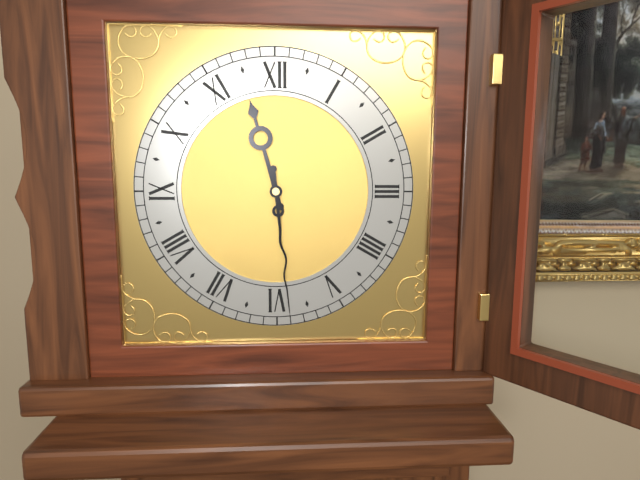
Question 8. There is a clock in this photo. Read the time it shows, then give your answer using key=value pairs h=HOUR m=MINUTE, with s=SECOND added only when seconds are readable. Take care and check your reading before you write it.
h=11 m=29
